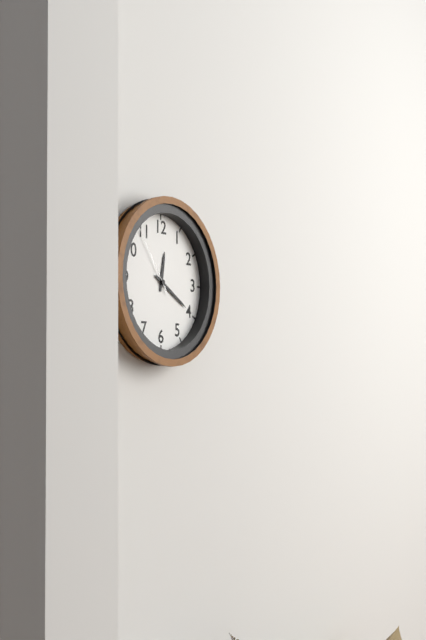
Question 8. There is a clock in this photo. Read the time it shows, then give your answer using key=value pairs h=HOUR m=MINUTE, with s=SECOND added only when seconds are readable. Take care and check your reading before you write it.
h=12 m=20 s=54
